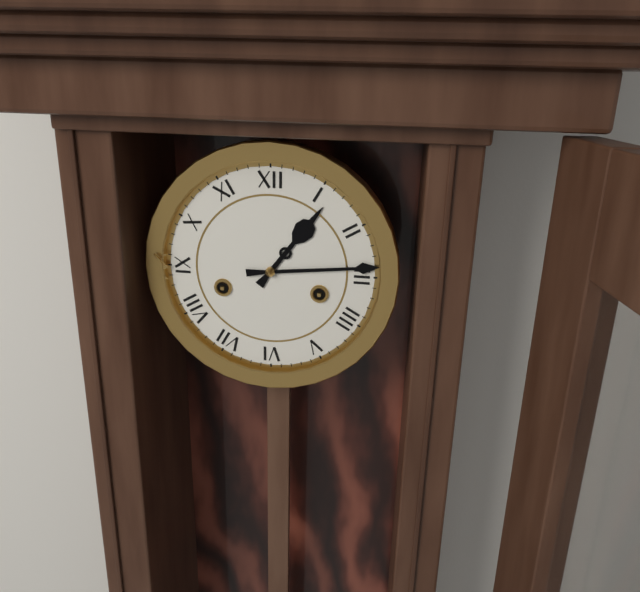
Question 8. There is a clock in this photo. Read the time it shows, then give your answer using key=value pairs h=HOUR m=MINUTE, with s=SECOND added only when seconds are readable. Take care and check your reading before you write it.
h=1 m=14
